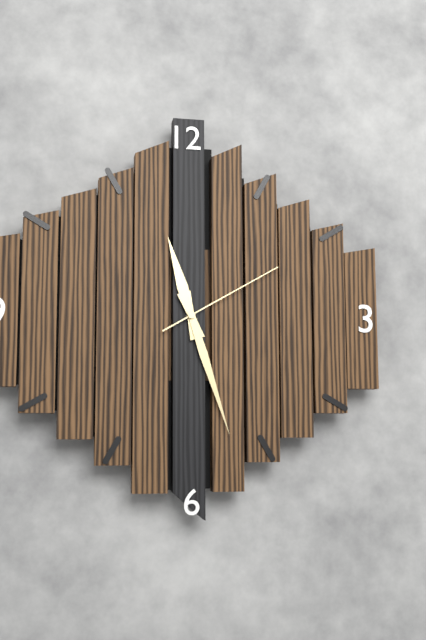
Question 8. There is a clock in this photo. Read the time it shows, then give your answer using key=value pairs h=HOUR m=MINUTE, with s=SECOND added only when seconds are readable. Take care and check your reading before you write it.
h=11 m=27 s=10
